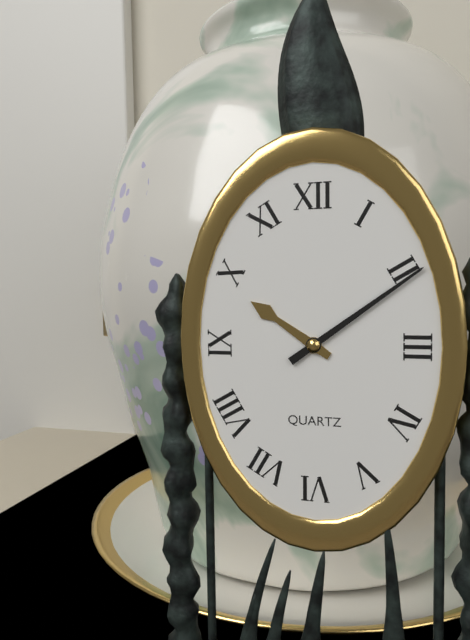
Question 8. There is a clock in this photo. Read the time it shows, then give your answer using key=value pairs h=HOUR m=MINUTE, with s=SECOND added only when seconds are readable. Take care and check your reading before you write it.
h=10 m=9
